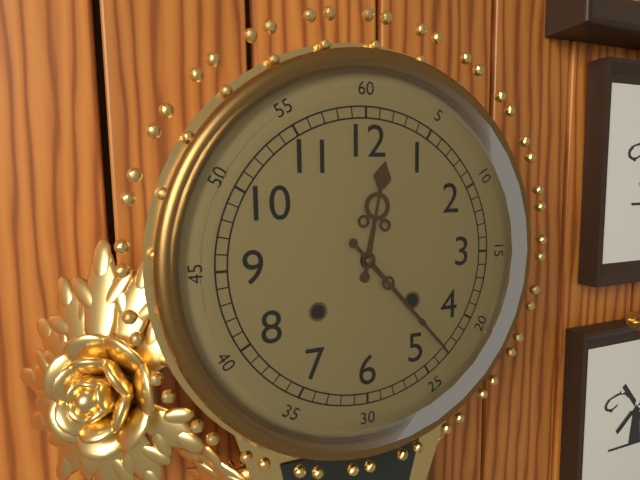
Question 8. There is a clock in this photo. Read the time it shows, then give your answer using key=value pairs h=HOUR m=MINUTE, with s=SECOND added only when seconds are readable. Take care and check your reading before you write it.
h=12 m=23
